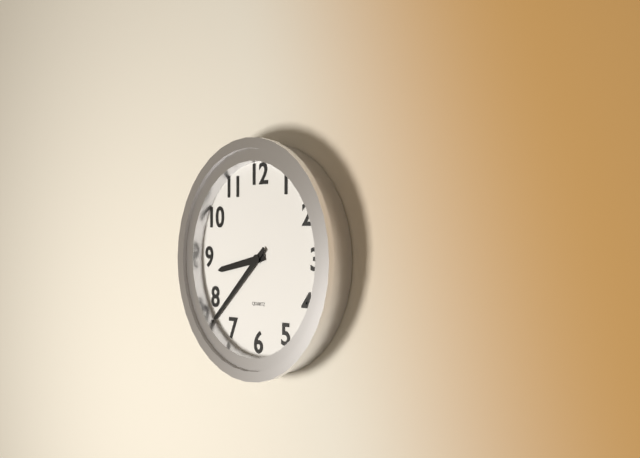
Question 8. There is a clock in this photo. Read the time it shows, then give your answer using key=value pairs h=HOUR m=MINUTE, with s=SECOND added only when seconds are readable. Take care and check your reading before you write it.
h=8 m=38
